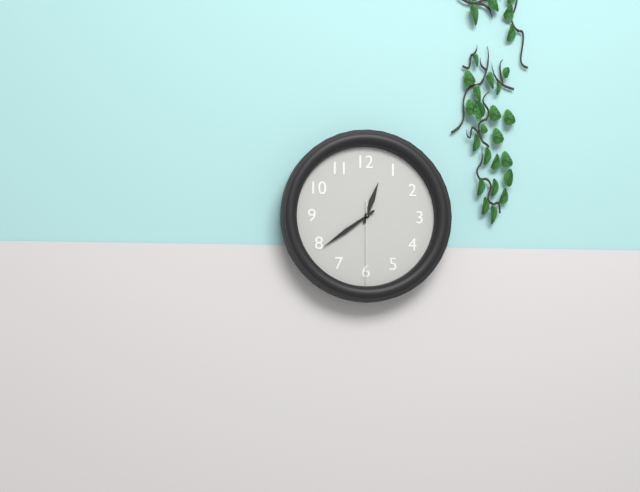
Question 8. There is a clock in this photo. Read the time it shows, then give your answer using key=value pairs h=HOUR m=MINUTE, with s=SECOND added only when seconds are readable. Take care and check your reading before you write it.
h=12 m=39 s=30
